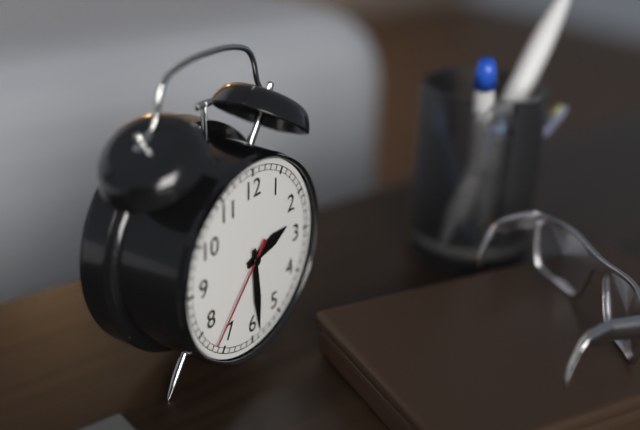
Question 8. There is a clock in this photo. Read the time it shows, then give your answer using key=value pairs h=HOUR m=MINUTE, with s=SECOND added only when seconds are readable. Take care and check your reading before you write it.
h=2 m=29 s=37
